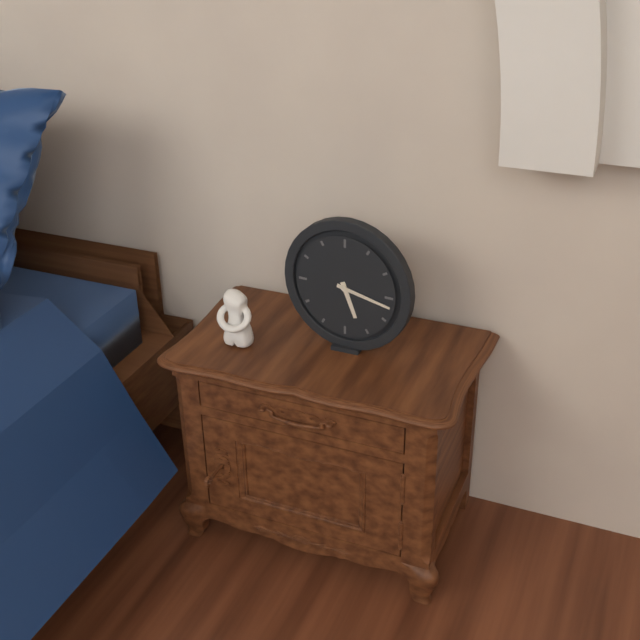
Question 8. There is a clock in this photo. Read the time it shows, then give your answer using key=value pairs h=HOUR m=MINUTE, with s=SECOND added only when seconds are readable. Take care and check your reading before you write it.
h=5 m=17
